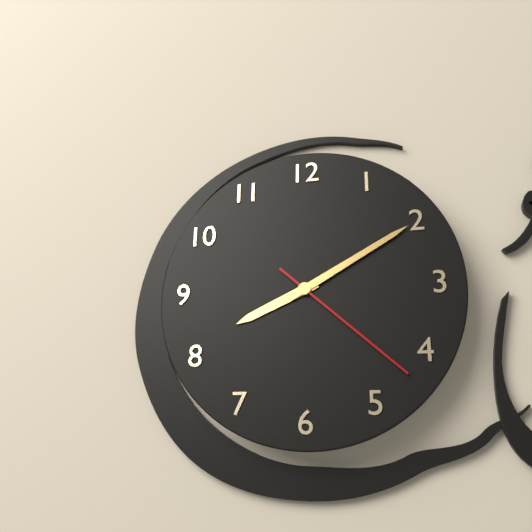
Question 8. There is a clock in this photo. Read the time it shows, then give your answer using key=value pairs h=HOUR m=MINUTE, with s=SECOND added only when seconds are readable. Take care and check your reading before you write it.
h=8 m=10 s=22
